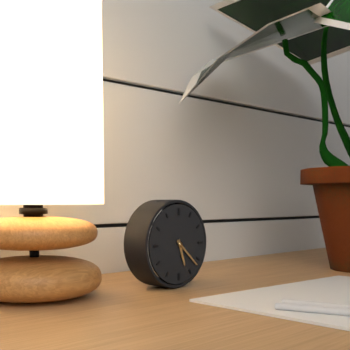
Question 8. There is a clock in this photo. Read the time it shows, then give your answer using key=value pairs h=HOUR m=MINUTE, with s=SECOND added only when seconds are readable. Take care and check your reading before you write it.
h=5 m=22
